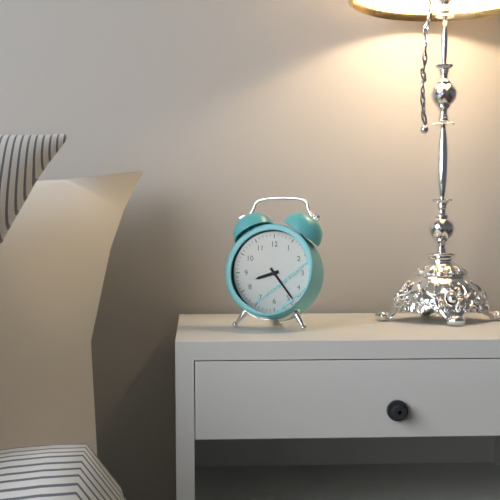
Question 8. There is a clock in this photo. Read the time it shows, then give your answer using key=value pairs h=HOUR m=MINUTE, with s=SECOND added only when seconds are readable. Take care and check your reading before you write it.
h=8 m=24
